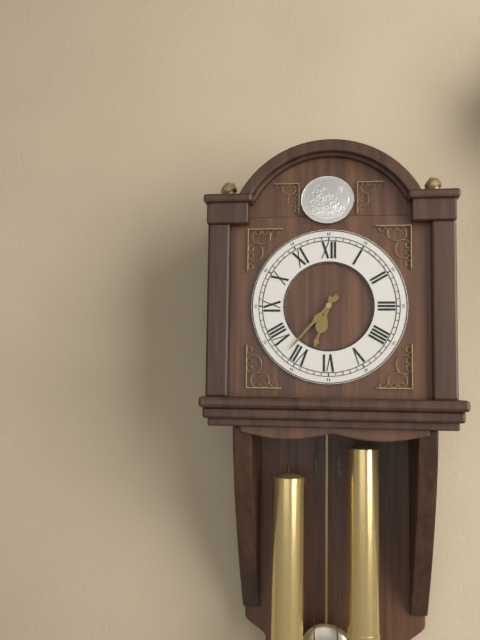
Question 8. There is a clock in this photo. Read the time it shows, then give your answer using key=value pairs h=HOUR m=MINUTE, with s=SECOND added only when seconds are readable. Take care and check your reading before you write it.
h=6 m=37
